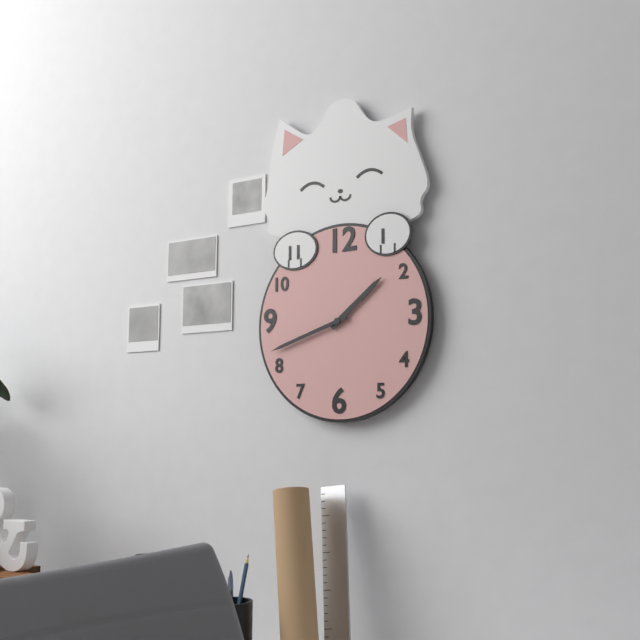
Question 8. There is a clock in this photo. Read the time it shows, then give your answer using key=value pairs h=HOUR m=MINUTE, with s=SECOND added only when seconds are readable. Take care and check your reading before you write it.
h=1 m=42
